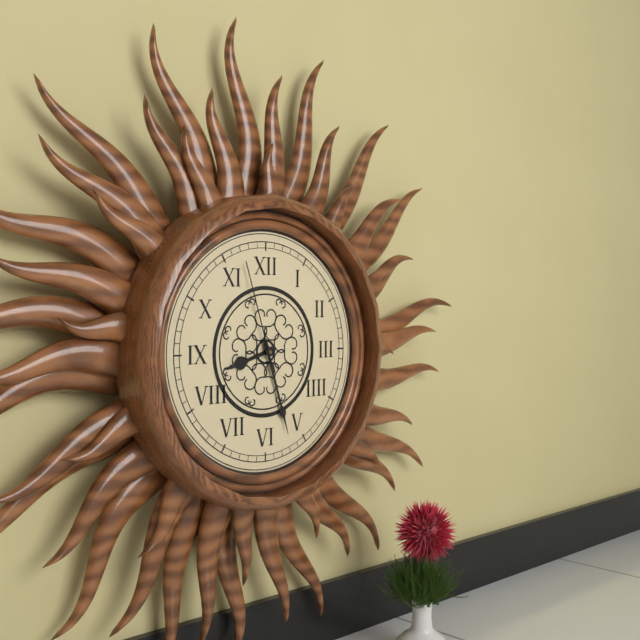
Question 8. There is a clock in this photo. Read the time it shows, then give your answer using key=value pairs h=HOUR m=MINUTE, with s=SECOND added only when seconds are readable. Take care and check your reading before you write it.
h=8 m=27 s=57
